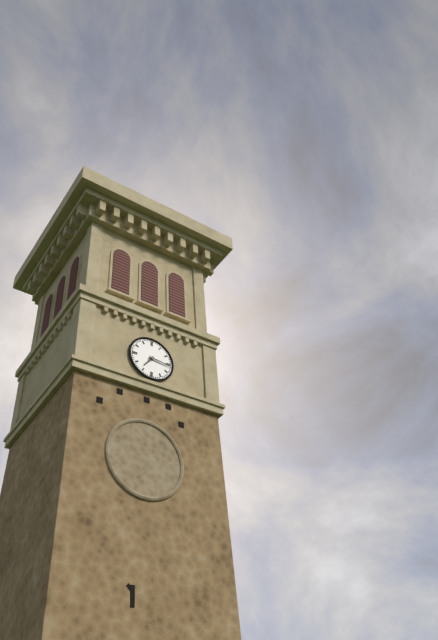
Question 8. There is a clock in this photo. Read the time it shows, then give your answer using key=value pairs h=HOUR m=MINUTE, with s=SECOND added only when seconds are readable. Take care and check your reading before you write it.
h=7 m=16
